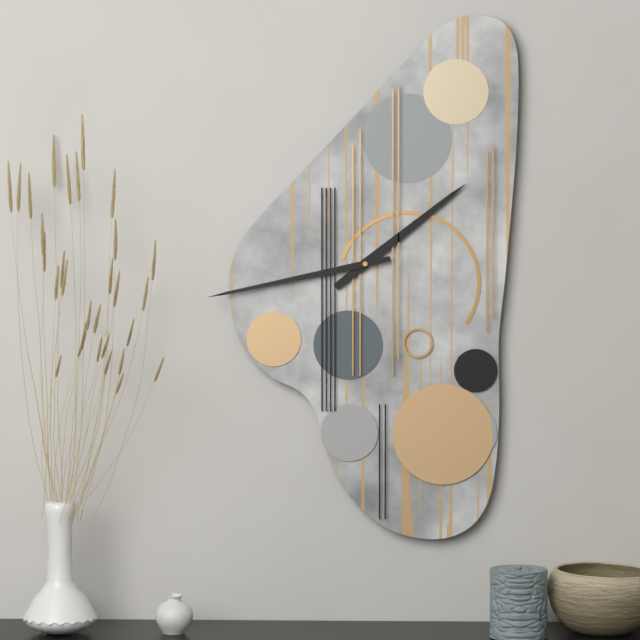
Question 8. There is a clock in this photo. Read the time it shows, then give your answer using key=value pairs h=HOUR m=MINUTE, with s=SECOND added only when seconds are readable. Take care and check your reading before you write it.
h=1 m=43
